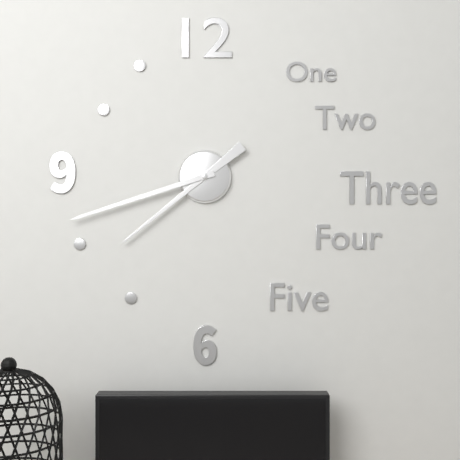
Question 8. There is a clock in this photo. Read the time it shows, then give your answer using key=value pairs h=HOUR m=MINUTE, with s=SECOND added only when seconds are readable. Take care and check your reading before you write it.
h=7 m=42
